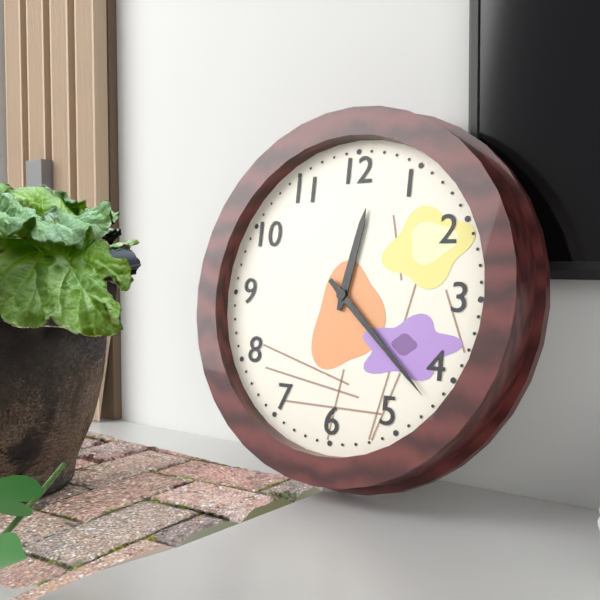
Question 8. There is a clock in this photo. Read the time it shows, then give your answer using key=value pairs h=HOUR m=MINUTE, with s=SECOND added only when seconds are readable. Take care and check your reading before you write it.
h=12 m=22
